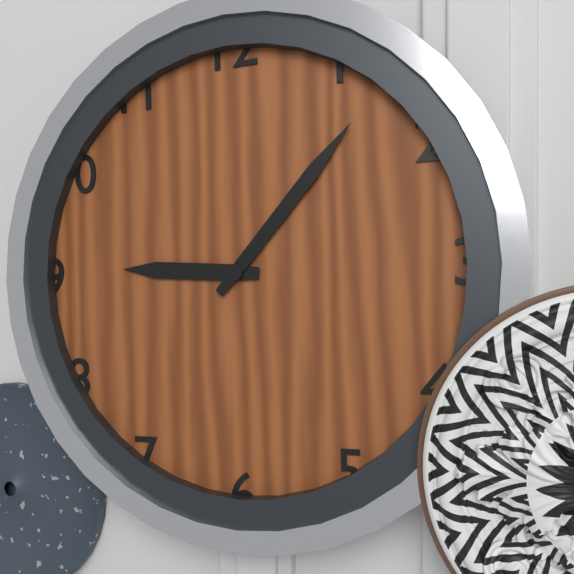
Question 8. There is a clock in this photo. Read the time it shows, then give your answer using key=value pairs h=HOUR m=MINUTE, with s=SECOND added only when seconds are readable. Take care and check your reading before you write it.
h=9 m=7
